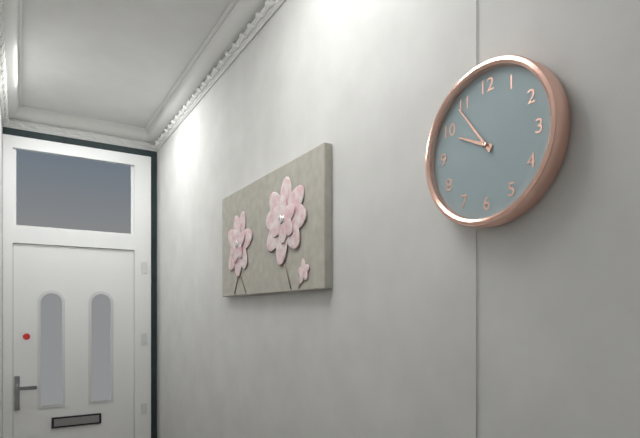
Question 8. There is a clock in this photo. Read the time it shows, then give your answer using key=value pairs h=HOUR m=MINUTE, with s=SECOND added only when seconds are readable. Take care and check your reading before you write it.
h=9 m=54
